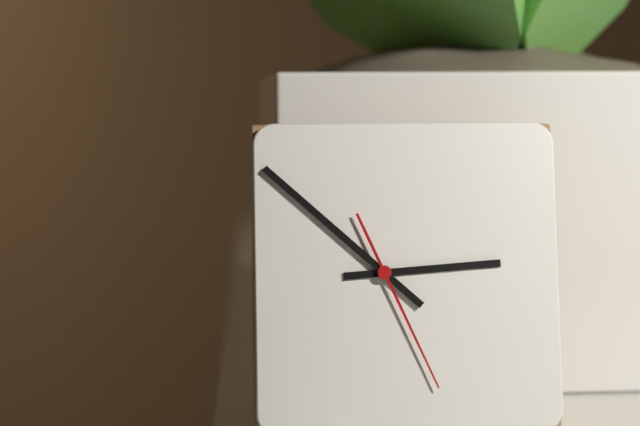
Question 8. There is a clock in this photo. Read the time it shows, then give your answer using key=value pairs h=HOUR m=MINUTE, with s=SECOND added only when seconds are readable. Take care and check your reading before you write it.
h=2 m=52 s=26
